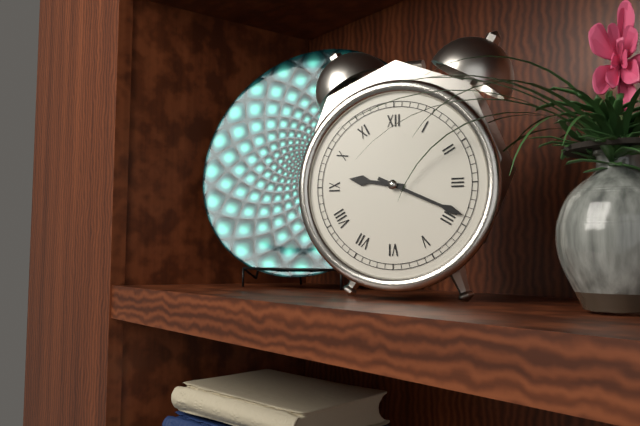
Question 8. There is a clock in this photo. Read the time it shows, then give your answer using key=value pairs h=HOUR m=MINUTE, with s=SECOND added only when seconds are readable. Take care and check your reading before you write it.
h=9 m=19
